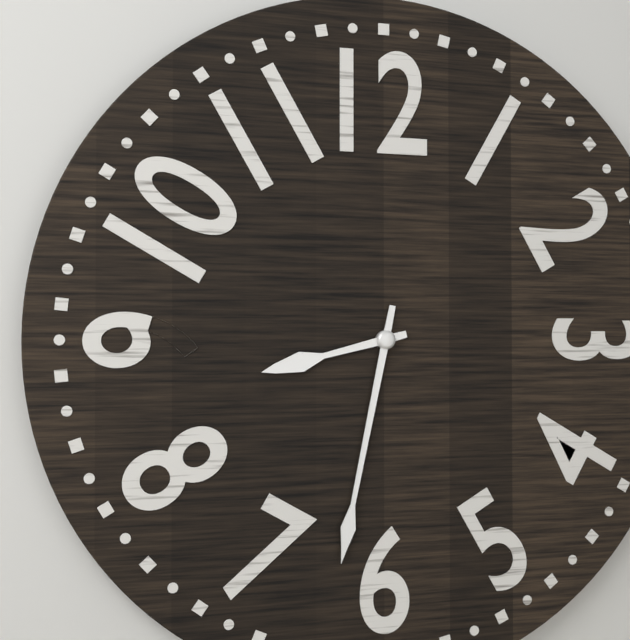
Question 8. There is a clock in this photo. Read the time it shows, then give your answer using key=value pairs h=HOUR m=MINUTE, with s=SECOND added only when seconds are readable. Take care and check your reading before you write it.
h=8 m=32
